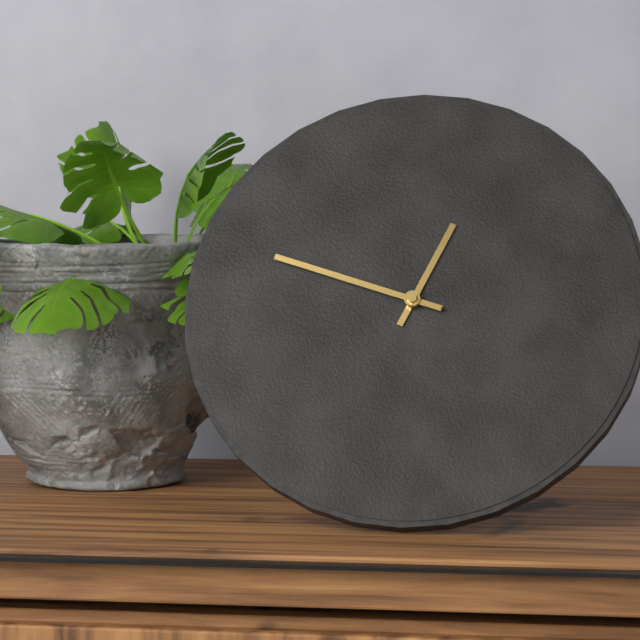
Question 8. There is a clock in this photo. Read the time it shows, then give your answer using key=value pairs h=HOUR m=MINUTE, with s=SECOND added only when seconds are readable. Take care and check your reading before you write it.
h=12 m=48
